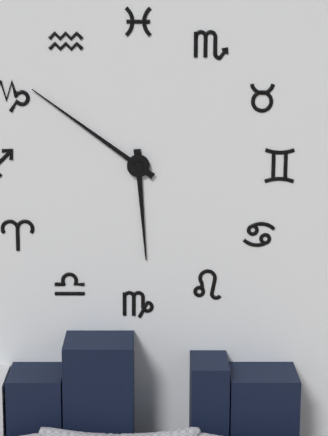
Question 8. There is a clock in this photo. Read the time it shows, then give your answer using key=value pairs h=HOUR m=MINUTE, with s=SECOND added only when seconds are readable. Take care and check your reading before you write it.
h=5 m=51
